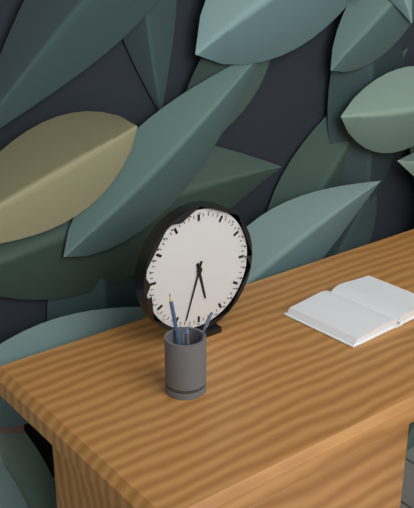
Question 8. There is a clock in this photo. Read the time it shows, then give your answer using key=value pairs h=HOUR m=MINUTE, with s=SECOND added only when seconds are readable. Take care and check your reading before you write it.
h=5 m=33
